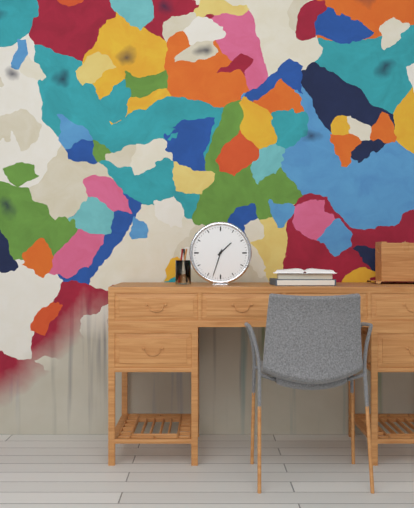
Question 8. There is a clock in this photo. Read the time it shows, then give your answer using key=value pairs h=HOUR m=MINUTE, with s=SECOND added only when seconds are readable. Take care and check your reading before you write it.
h=1 m=33
